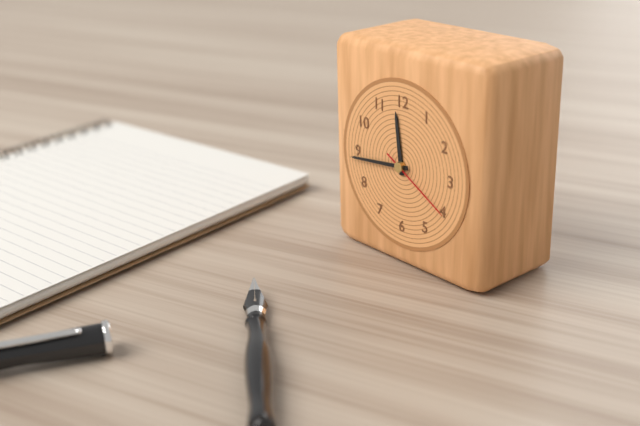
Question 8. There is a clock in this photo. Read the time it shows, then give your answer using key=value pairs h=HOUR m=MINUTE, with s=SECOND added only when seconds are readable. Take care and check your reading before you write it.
h=11 m=44 s=20
